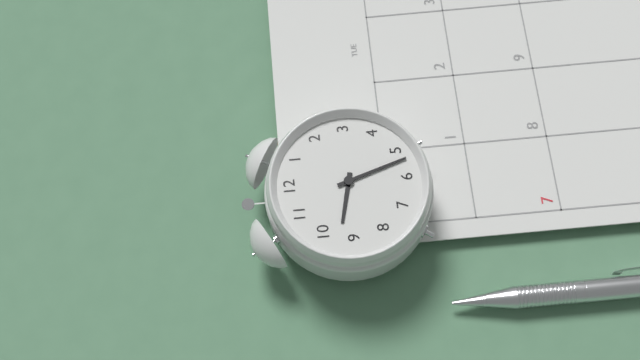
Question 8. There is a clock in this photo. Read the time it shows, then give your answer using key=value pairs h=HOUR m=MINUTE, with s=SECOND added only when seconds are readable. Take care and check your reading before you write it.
h=9 m=27
